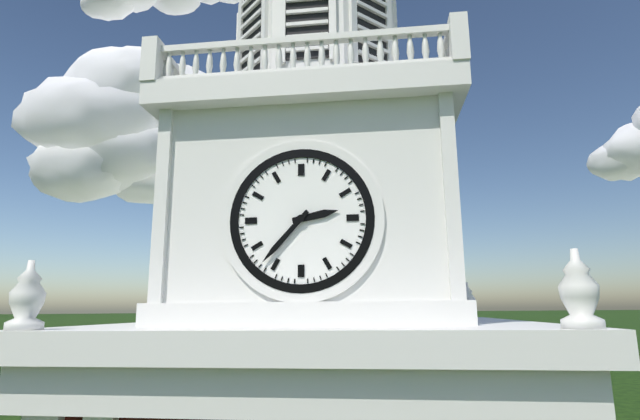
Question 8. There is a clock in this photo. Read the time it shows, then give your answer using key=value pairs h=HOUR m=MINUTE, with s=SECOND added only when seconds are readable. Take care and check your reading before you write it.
h=2 m=37
